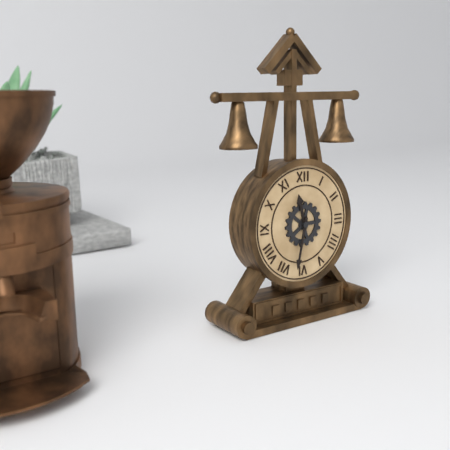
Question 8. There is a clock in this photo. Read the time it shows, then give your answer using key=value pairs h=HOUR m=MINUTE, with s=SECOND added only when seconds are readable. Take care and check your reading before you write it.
h=11 m=32
